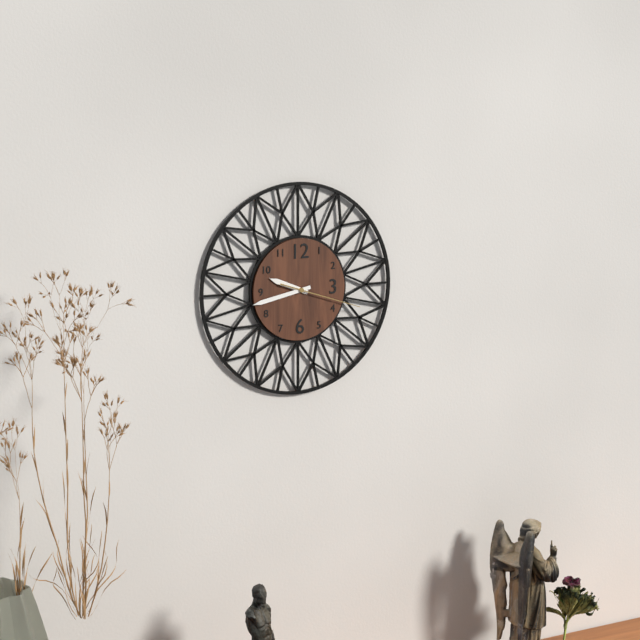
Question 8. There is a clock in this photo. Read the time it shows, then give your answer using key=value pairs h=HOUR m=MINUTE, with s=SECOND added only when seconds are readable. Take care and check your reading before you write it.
h=9 m=43 s=18
